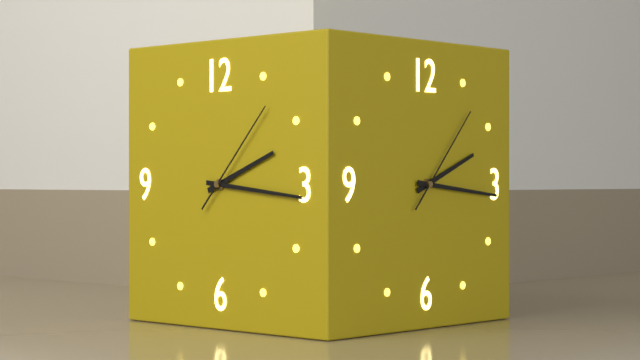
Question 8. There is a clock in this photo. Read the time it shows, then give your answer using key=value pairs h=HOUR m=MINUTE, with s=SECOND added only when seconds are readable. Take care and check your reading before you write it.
h=2 m=16 s=7
